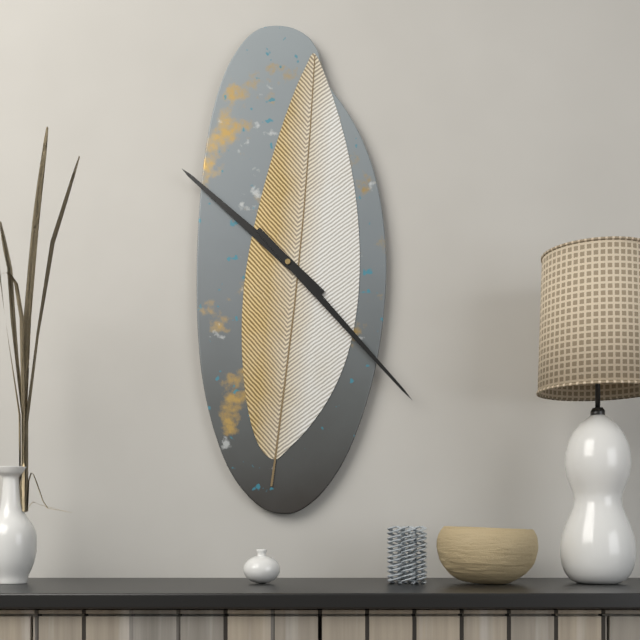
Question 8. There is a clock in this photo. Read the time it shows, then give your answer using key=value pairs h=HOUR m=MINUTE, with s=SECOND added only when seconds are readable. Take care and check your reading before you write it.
h=10 m=23
